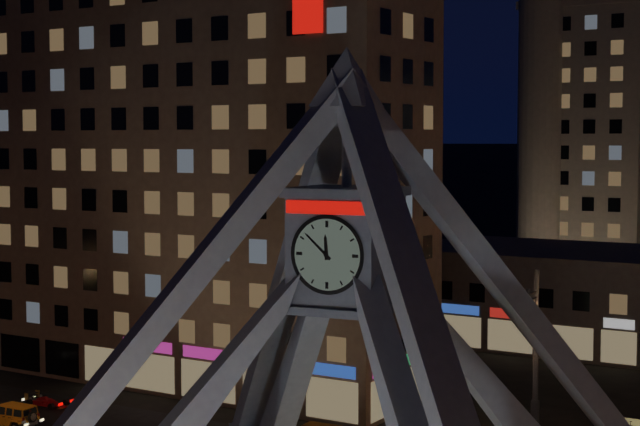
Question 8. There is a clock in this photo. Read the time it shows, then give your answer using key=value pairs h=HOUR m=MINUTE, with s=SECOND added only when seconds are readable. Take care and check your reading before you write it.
h=11 m=52
